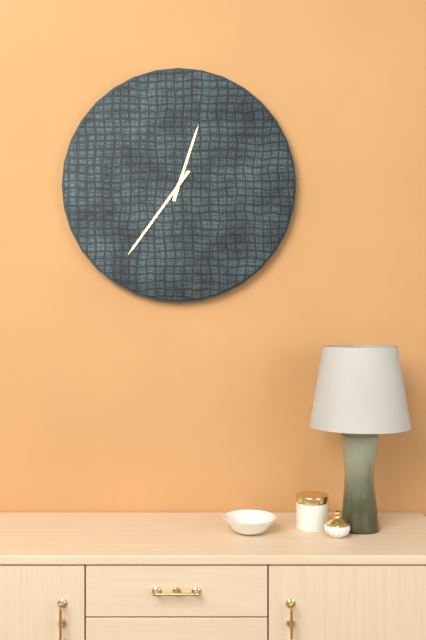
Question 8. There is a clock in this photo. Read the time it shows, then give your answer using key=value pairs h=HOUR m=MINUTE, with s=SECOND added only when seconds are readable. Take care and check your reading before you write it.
h=12 m=36
